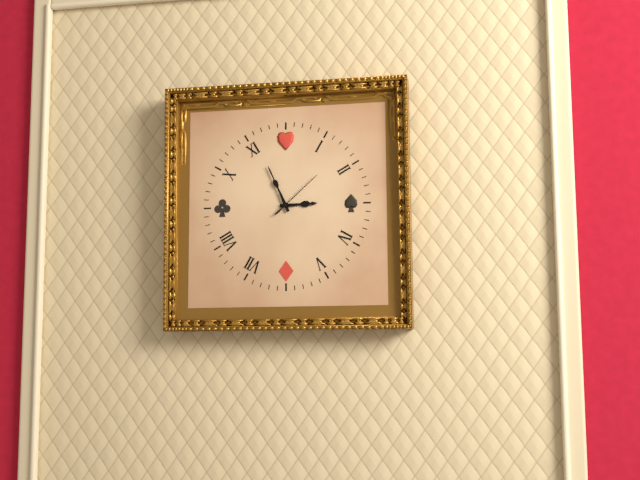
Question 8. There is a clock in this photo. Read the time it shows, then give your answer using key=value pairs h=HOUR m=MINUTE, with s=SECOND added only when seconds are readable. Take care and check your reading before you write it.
h=2 m=56 s=8
